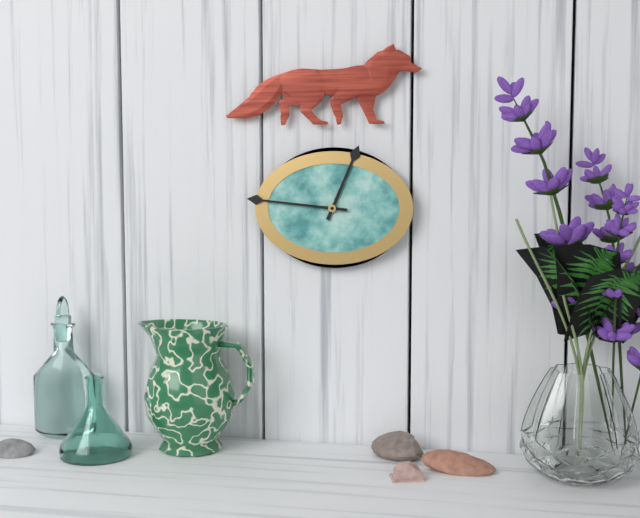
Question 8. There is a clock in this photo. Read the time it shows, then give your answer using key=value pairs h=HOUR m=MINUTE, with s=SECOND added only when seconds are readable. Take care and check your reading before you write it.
h=12 m=46
